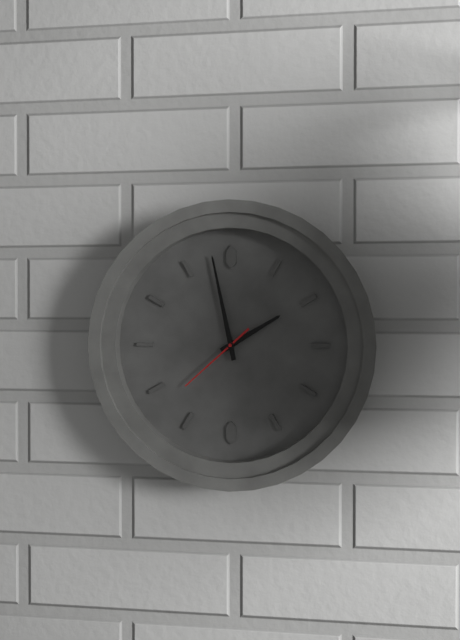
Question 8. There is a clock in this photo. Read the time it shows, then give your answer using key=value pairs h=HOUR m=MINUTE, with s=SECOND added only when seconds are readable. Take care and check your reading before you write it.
h=1 m=58 s=38
